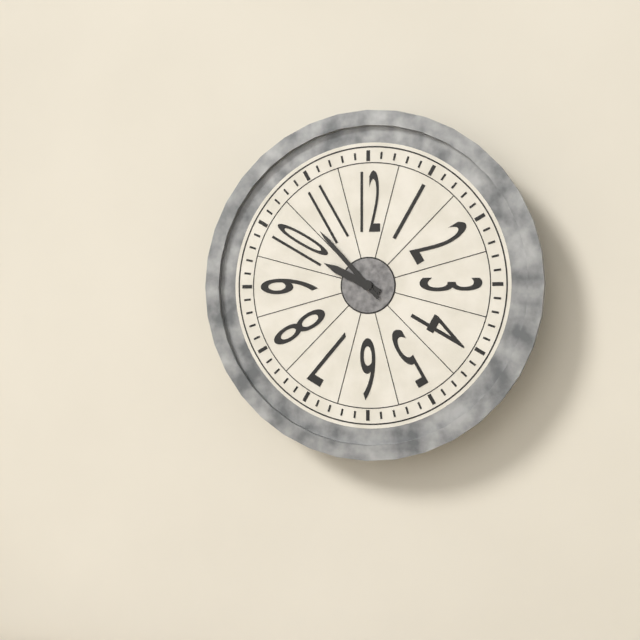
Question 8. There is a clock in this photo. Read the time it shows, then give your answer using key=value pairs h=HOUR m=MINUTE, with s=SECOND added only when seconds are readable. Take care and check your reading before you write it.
h=9 m=53
